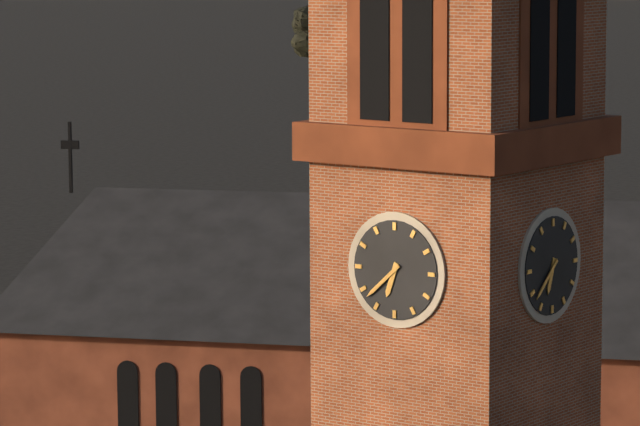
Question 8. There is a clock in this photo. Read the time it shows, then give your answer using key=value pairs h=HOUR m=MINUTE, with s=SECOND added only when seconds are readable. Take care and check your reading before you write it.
h=6 m=38
